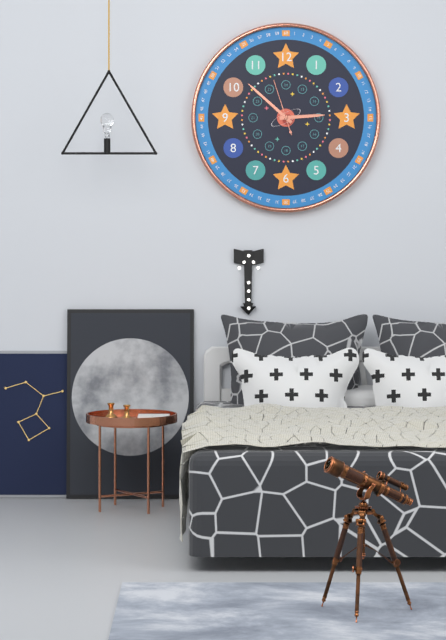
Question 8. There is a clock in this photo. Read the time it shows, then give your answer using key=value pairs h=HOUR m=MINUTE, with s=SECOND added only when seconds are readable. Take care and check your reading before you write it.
h=2 m=52
